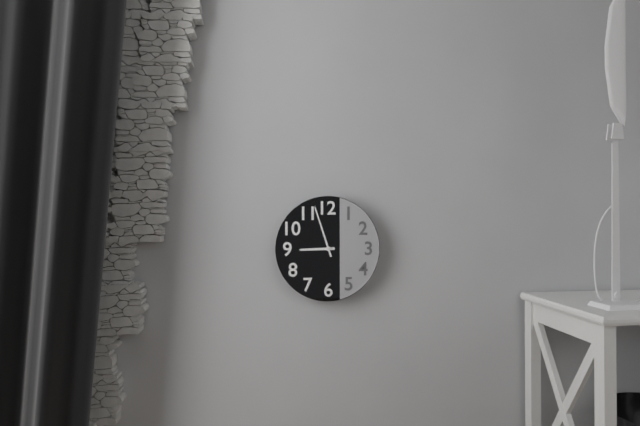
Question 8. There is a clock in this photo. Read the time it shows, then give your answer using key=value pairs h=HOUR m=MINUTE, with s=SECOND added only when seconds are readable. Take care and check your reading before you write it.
h=8 m=57
